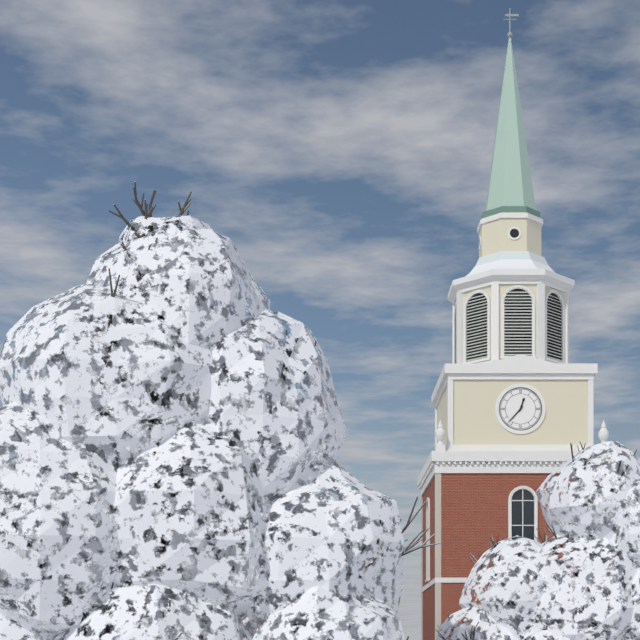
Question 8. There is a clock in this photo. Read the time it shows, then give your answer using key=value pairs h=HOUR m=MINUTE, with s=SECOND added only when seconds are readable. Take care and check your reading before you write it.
h=12 m=37
